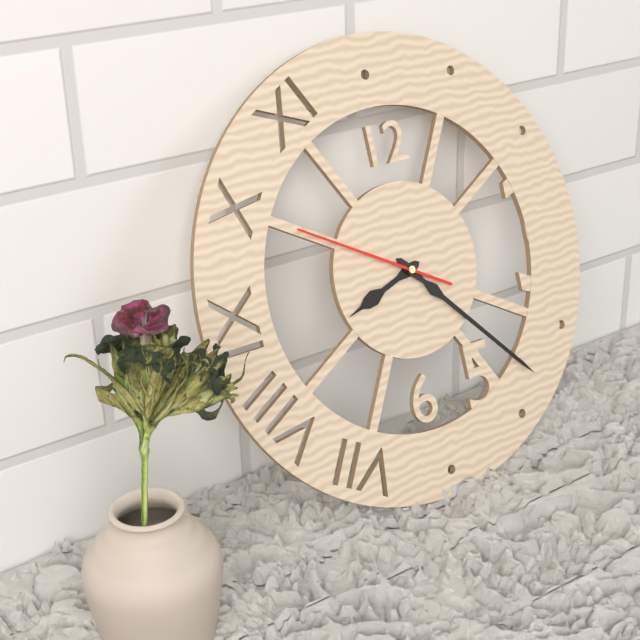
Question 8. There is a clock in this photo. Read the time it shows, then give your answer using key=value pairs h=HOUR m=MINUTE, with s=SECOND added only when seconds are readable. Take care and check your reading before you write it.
h=8 m=23 s=50
